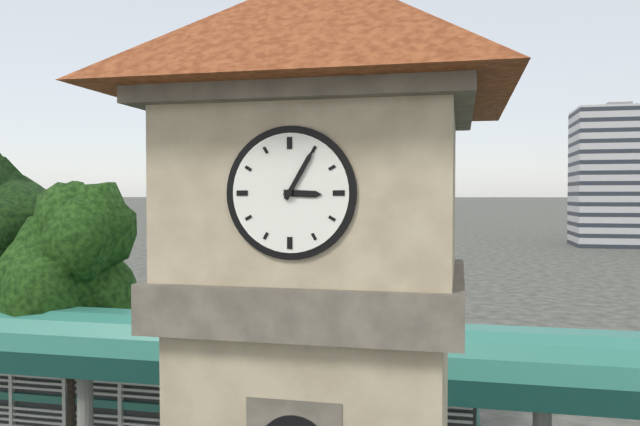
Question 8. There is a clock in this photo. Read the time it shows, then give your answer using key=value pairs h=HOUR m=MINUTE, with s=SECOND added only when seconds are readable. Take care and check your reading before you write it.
h=3 m=5
